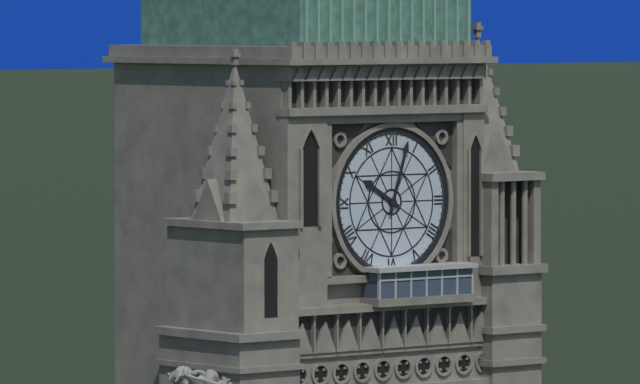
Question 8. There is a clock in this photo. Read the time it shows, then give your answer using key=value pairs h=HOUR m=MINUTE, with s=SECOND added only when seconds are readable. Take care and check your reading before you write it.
h=10 m=3
